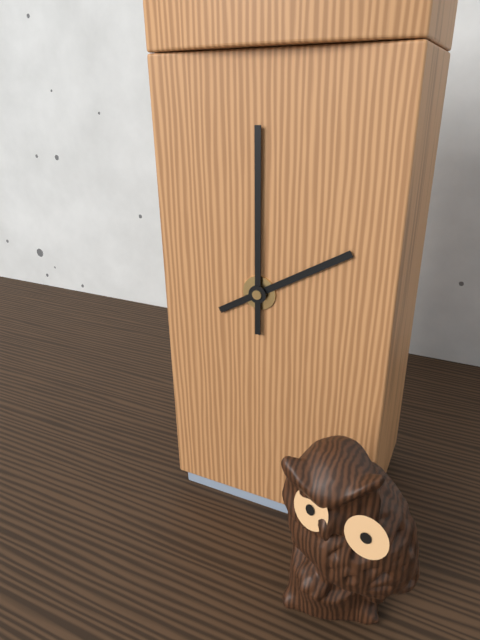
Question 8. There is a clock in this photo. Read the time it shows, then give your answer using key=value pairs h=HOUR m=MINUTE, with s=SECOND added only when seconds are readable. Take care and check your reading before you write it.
h=2 m=0
